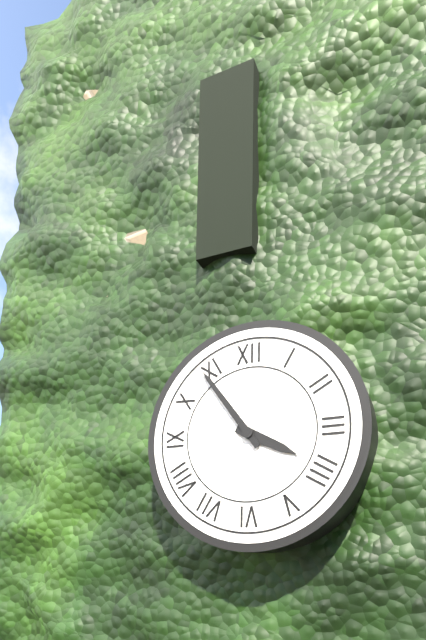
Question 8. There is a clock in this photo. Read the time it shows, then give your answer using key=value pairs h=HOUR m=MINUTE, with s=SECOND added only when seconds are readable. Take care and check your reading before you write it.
h=3 m=54
